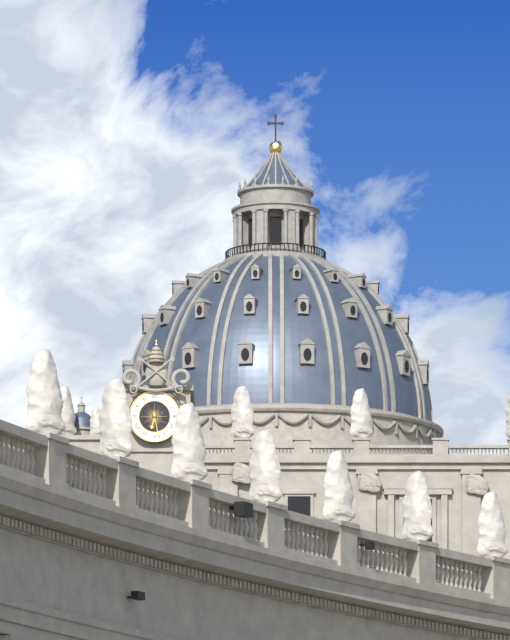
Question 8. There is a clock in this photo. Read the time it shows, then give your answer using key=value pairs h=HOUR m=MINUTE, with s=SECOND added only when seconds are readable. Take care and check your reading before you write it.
h=6 m=28
